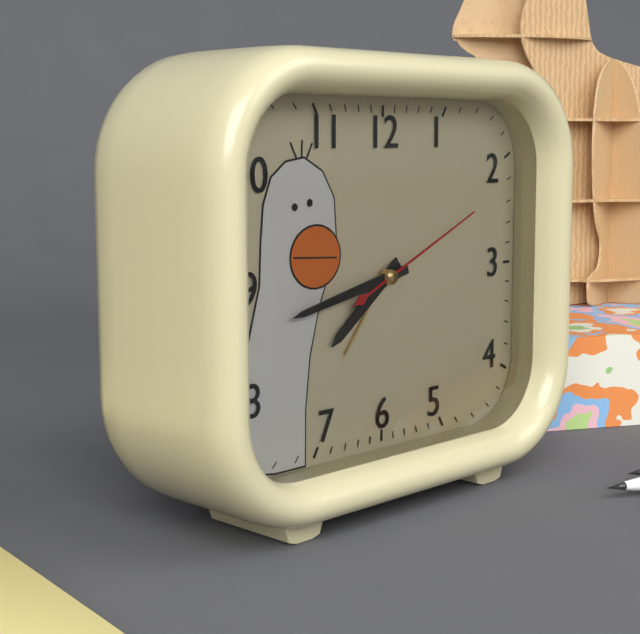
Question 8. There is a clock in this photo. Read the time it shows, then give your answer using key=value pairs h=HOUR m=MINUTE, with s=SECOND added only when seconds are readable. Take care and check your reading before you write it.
h=7 m=43 s=11
